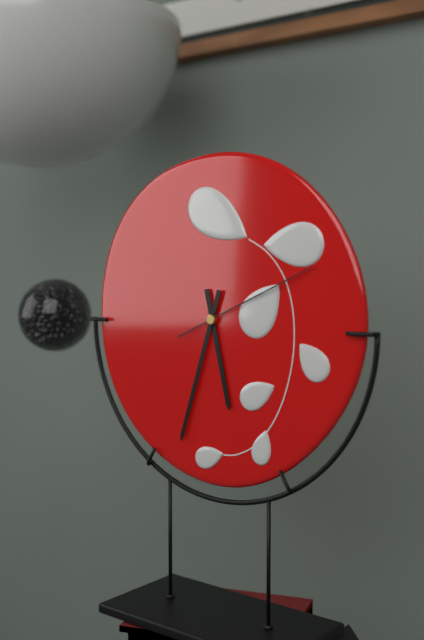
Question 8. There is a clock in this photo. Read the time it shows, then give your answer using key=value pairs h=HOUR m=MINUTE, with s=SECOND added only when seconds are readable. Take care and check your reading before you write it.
h=5 m=33 s=11
